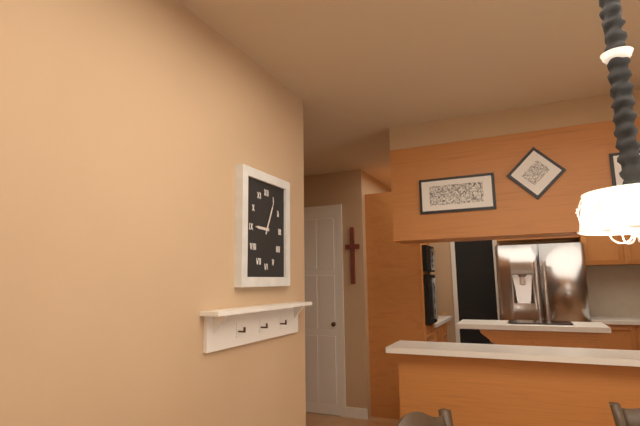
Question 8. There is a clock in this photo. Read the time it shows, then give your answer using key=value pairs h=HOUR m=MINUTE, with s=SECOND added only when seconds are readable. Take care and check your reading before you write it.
h=9 m=4
